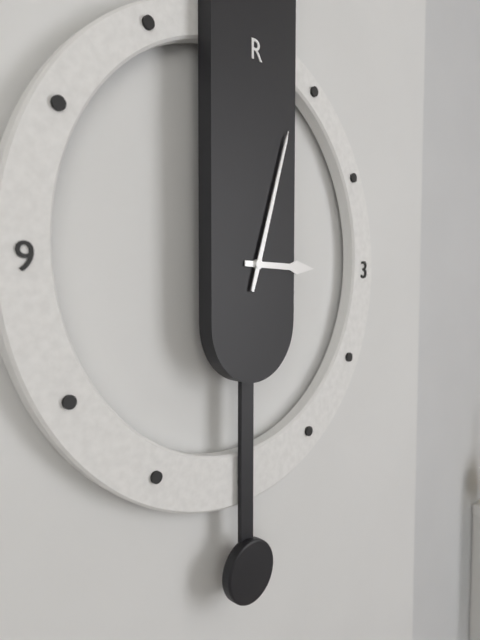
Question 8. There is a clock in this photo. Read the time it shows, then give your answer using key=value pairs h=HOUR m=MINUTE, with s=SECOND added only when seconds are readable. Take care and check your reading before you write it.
h=3 m=3
